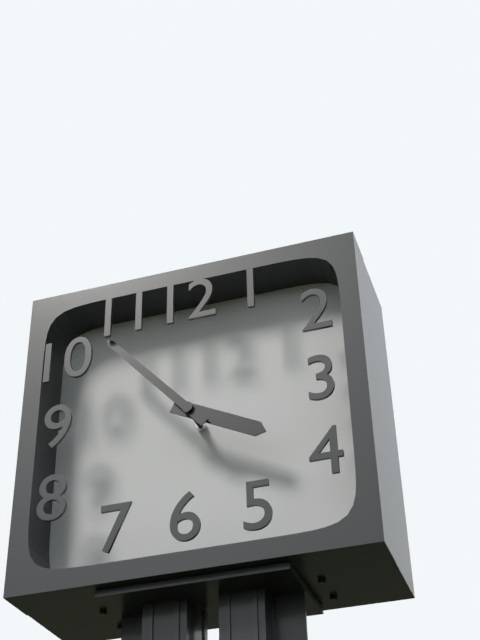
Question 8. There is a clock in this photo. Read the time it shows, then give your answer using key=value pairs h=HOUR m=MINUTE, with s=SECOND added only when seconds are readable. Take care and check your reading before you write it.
h=3 m=53
